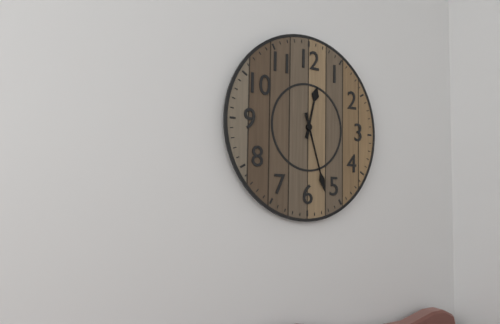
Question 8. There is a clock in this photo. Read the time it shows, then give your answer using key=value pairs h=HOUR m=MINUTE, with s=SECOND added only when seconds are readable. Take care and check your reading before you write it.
h=12 m=27
